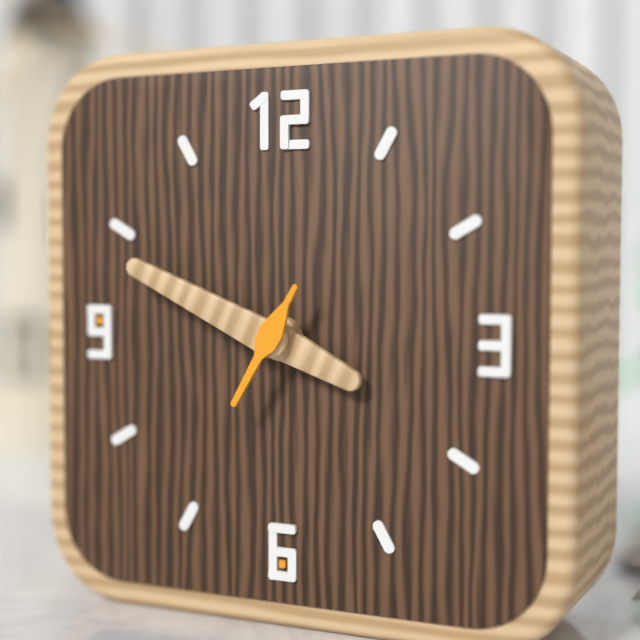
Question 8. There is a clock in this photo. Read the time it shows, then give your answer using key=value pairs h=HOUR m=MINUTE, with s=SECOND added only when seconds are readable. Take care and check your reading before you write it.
h=3 m=49 s=35
